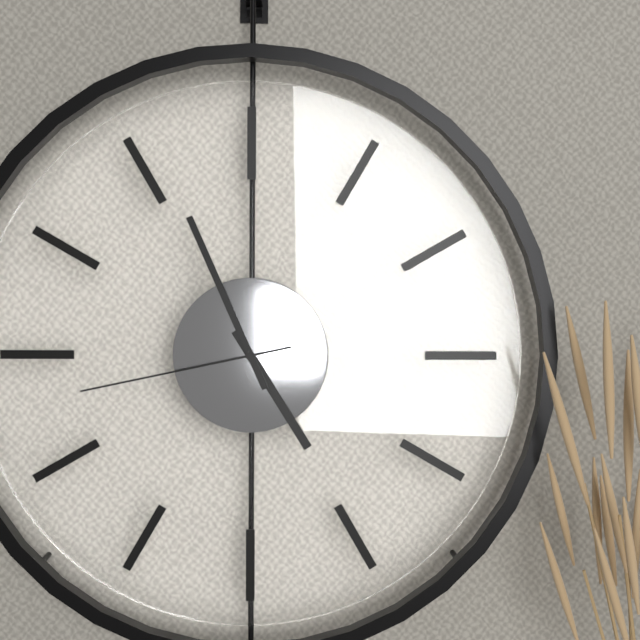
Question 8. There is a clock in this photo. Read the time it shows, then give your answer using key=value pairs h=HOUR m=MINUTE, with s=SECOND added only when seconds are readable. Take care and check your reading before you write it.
h=4 m=56 s=43
